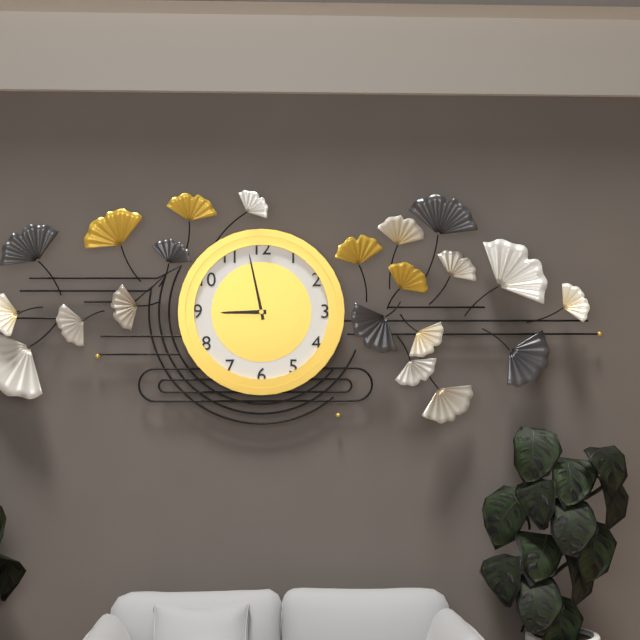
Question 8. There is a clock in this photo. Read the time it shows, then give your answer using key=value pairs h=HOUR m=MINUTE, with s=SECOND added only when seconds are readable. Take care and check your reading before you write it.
h=8 m=58
